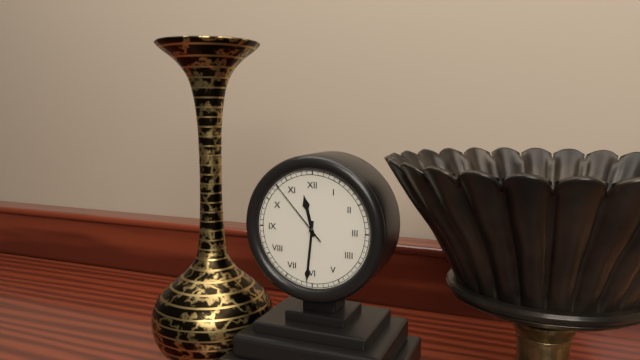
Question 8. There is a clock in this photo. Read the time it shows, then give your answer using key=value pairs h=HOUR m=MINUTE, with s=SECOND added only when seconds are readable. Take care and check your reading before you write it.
h=11 m=31 s=53
